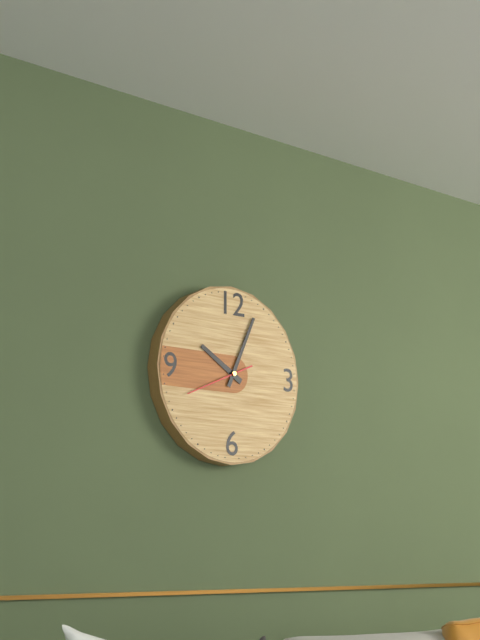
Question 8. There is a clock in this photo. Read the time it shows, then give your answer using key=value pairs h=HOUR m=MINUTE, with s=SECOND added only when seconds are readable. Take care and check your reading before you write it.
h=10 m=4 s=41
